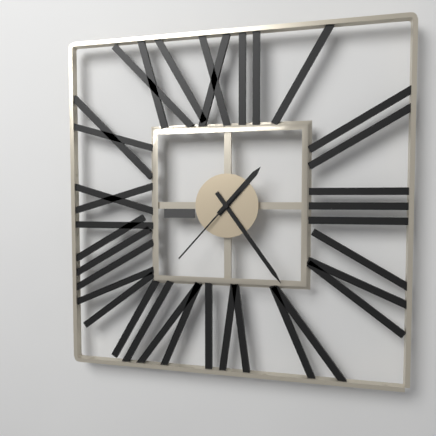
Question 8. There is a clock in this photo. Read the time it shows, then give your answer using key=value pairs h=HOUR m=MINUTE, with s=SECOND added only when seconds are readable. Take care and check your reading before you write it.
h=1 m=24 s=37
